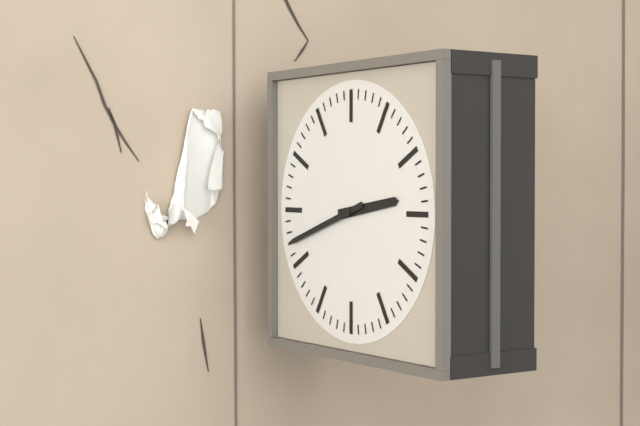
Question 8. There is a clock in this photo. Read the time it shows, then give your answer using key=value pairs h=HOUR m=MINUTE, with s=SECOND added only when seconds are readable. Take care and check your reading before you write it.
h=2 m=42
